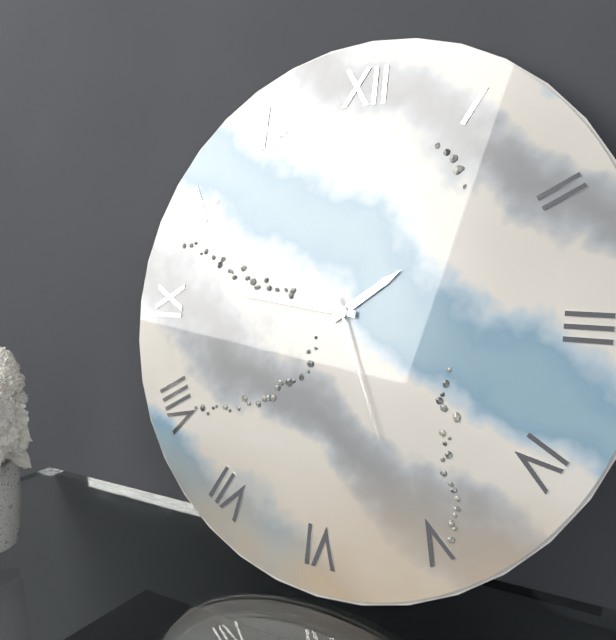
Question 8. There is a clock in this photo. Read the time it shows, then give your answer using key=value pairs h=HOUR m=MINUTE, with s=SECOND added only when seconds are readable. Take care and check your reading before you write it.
h=1 m=46 s=26
